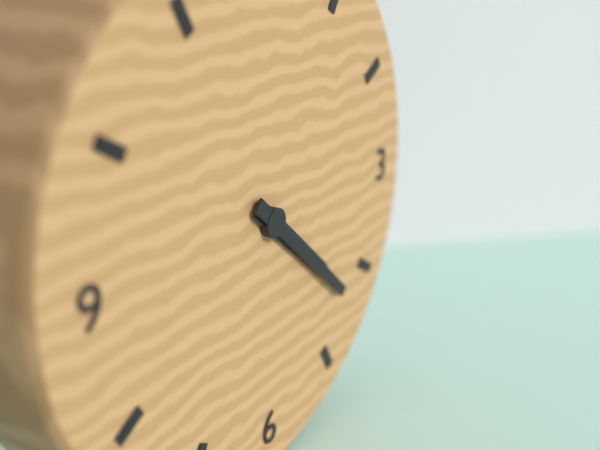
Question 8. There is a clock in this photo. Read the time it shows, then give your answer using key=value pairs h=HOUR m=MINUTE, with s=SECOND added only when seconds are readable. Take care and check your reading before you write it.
h=4 m=22
